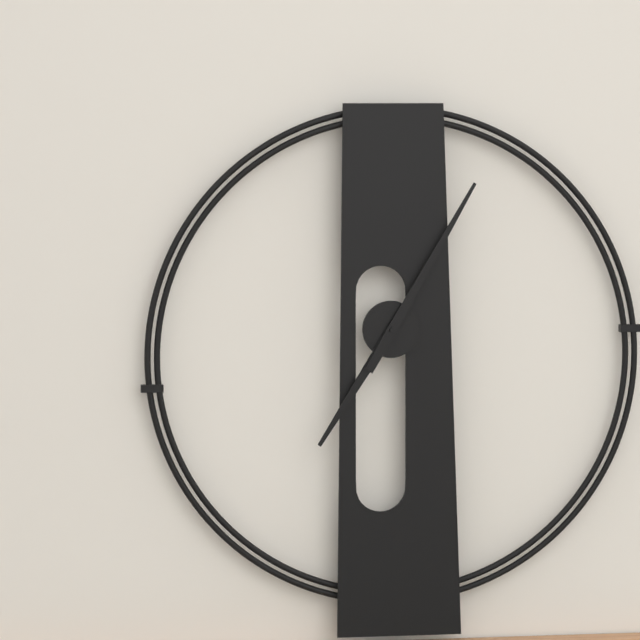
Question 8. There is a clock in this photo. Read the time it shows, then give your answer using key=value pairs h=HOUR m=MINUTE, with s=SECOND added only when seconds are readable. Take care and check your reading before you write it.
h=7 m=5
